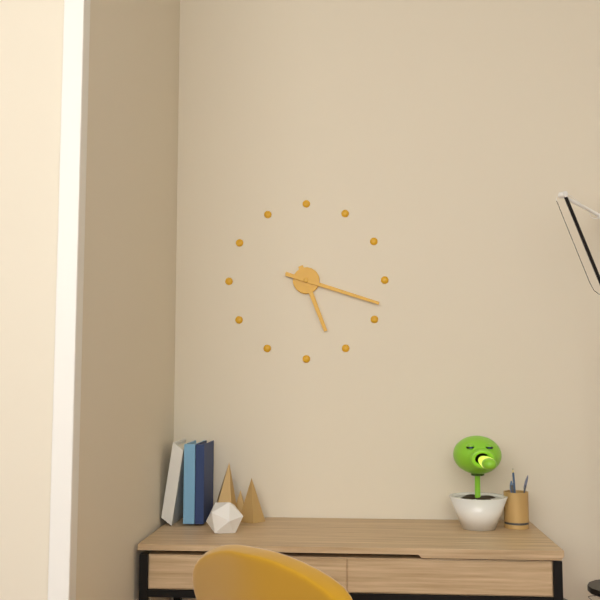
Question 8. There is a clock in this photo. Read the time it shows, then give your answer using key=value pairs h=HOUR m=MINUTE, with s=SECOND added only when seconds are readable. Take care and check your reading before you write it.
h=5 m=18
